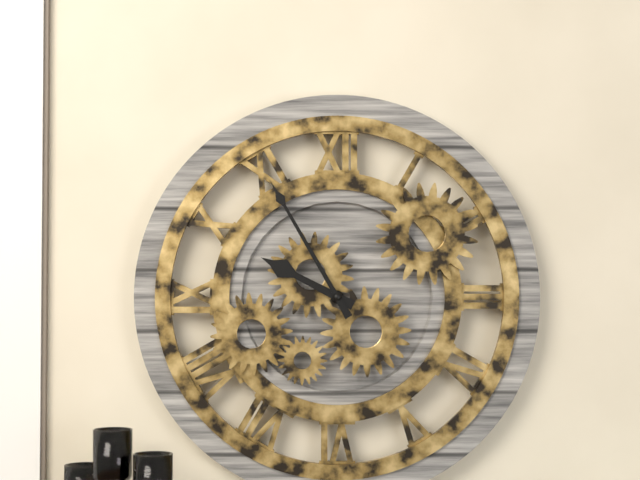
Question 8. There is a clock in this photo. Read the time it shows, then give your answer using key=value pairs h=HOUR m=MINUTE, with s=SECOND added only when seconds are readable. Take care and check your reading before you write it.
h=9 m=55
